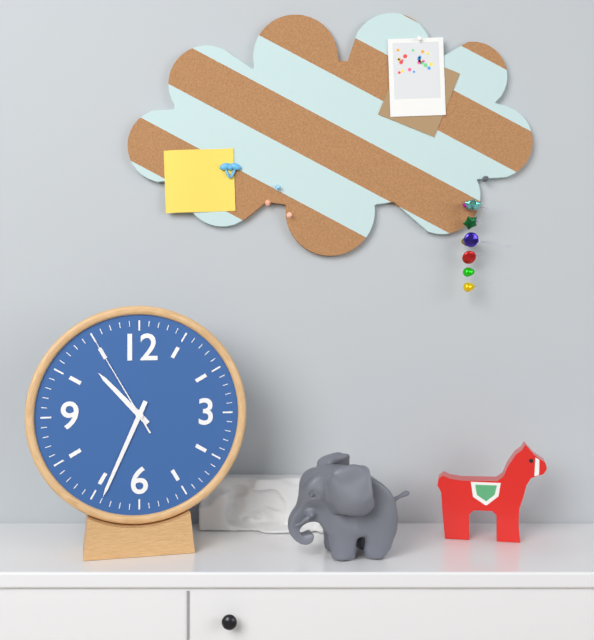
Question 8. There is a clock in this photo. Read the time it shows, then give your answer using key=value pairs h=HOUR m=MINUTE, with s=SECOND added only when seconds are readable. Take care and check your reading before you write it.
h=10 m=34 s=55
